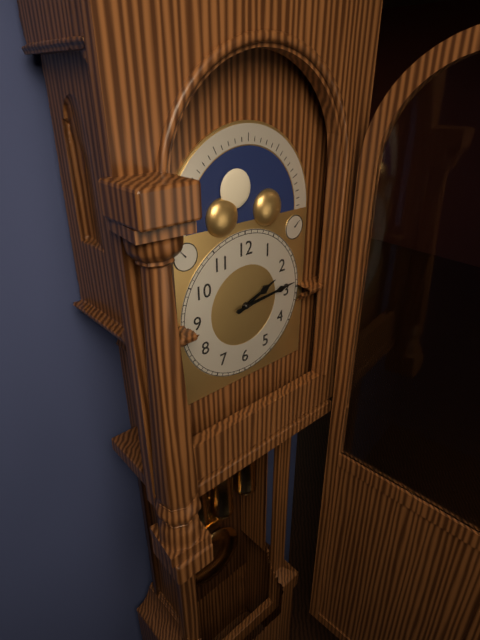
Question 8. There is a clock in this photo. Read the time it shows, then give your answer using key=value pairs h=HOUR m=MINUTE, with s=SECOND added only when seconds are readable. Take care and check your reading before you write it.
h=2 m=14
